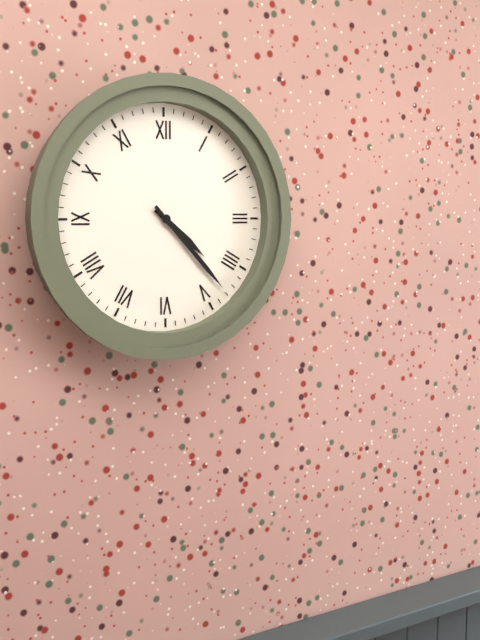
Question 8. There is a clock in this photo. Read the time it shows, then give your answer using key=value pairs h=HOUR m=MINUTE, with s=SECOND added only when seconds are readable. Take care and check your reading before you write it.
h=4 m=23
